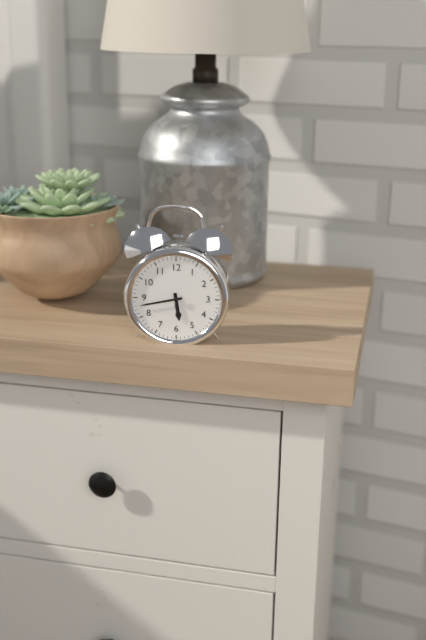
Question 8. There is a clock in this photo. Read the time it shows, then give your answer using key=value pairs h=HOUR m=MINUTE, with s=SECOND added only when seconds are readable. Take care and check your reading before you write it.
h=5 m=43
